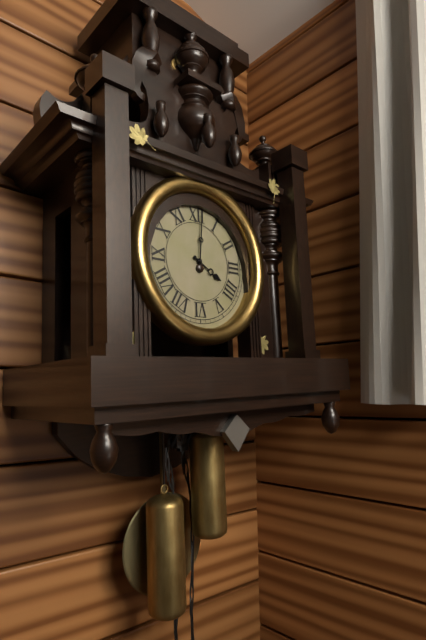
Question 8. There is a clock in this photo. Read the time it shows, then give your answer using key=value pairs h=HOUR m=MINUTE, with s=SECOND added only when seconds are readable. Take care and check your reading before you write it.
h=4 m=1
